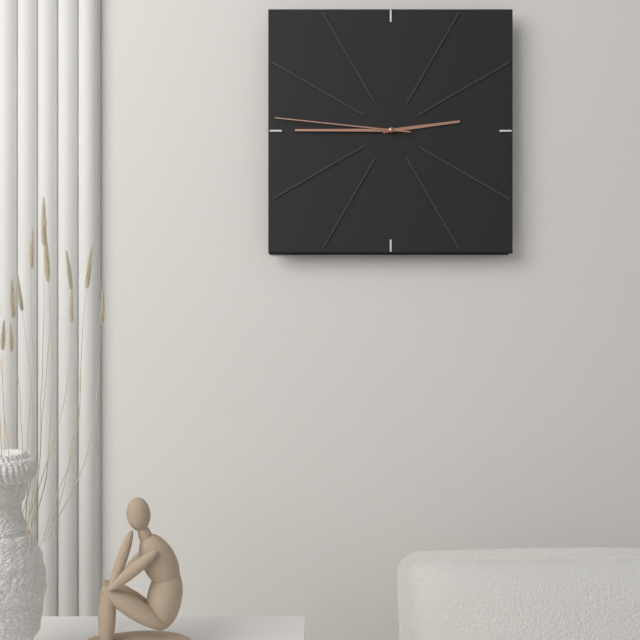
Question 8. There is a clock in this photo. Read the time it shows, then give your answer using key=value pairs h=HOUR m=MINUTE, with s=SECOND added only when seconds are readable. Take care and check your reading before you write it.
h=2 m=45 s=46
